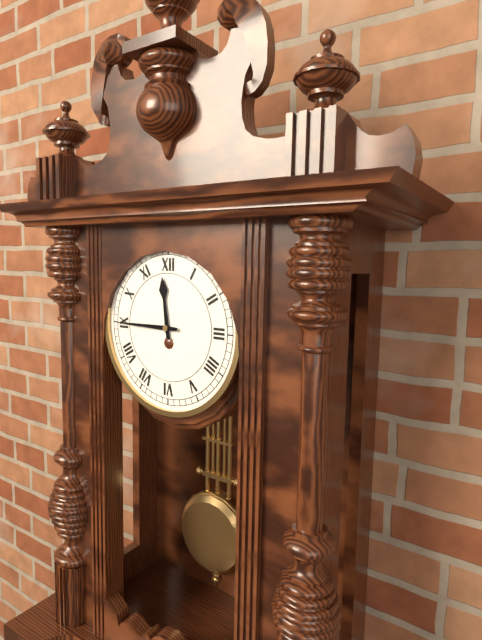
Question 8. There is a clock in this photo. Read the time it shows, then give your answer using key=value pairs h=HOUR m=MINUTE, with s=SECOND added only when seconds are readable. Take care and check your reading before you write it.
h=11 m=45
